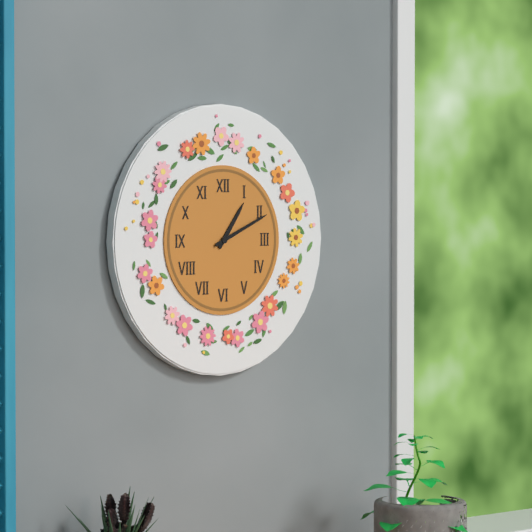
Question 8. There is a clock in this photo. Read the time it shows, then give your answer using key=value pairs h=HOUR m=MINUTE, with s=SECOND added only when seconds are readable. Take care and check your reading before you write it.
h=1 m=11
